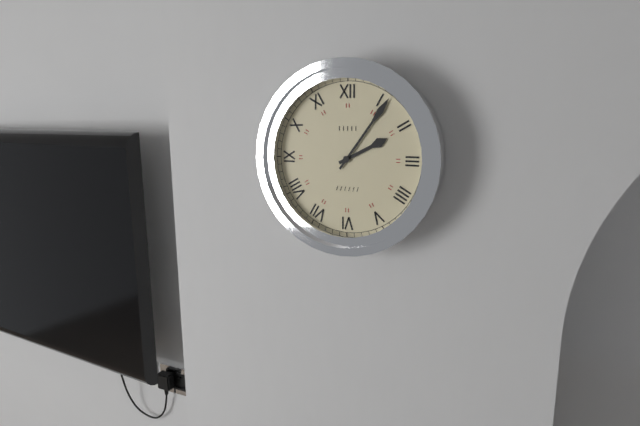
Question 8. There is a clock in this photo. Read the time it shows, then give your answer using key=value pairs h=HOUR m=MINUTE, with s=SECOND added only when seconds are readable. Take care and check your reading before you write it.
h=2 m=6
